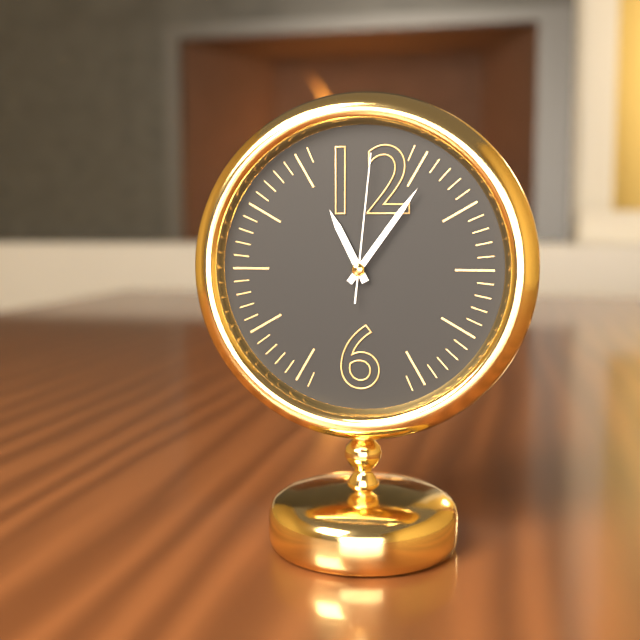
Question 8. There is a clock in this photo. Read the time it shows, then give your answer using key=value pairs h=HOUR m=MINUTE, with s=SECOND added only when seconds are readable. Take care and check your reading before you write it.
h=11 m=6 s=1
